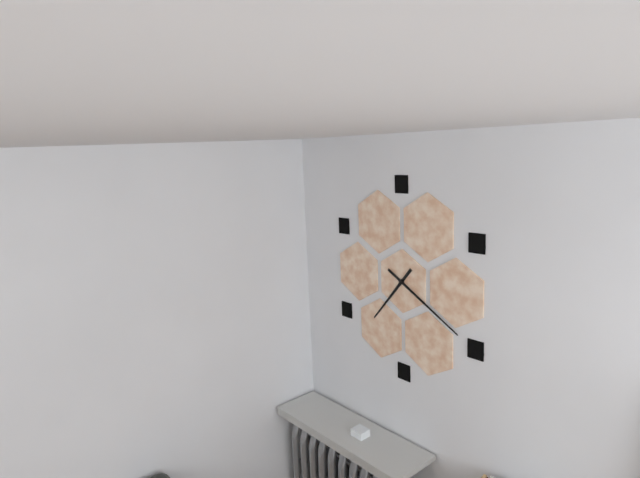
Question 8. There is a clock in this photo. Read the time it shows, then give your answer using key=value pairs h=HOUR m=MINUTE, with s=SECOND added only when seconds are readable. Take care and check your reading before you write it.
h=7 m=20
